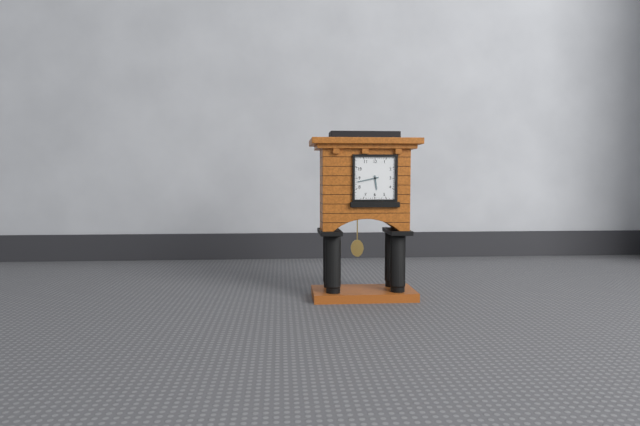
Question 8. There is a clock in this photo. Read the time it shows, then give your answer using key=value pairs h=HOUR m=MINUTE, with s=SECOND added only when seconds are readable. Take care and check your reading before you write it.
h=5 m=43
